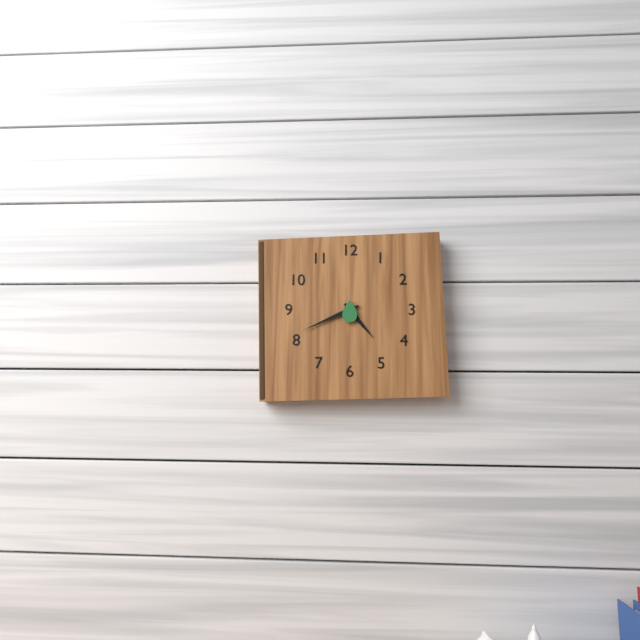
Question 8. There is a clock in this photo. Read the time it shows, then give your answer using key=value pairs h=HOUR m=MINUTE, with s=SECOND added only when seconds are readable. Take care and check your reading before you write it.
h=4 m=41
